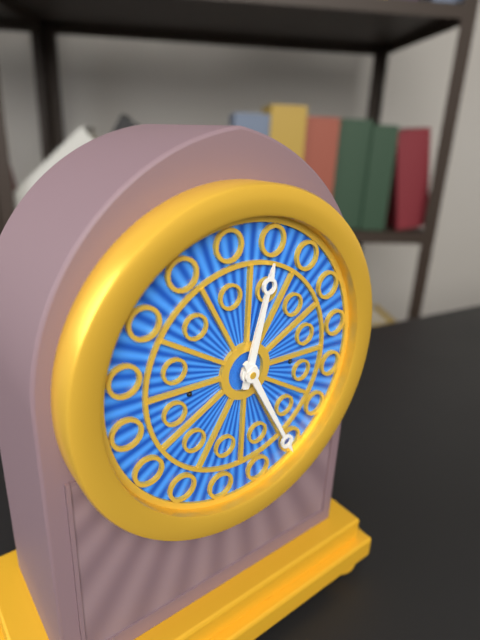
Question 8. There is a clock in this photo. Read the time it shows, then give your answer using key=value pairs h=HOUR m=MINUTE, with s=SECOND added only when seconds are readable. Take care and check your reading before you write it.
h=12 m=25
